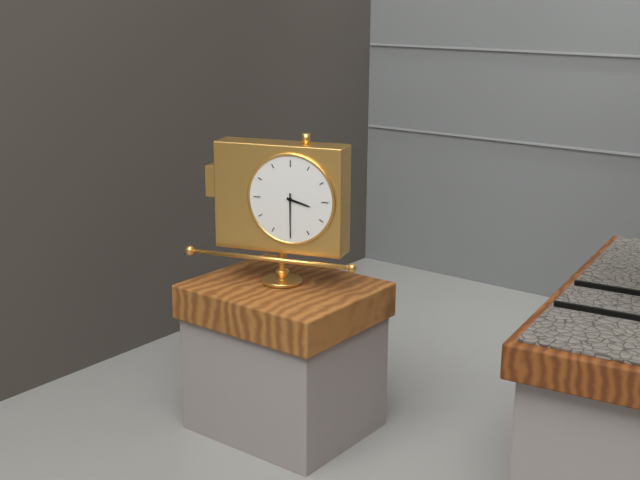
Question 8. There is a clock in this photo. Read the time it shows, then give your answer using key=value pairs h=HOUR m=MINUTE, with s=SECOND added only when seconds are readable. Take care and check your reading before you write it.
h=3 m=30
